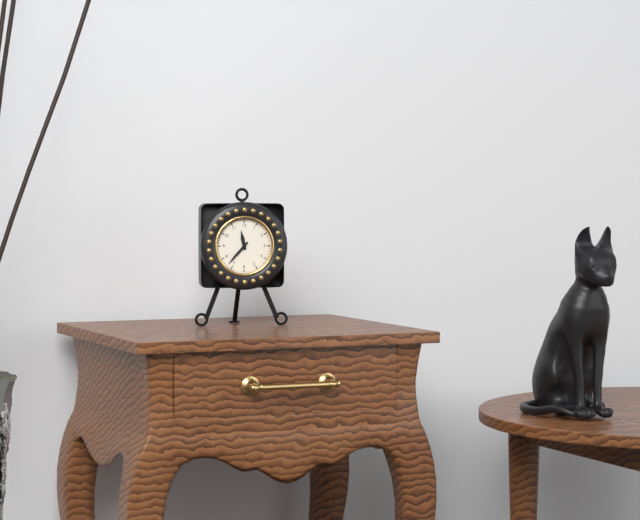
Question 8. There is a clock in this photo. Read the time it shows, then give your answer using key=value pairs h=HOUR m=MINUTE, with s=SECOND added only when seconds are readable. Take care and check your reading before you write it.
h=11 m=37
